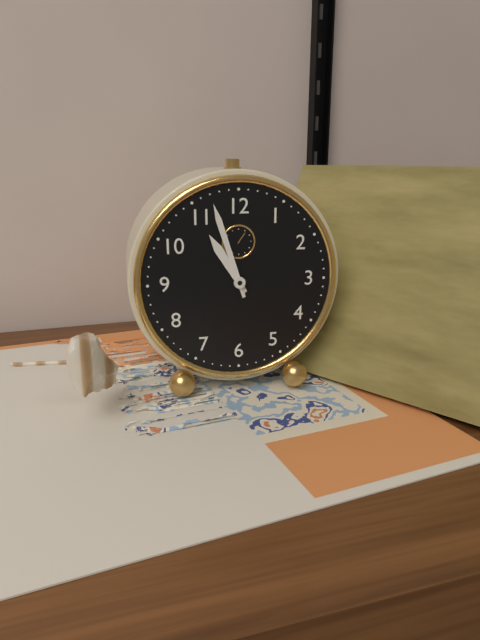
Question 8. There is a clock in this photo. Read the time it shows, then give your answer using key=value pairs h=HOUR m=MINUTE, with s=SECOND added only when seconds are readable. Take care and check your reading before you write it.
h=10 m=57
